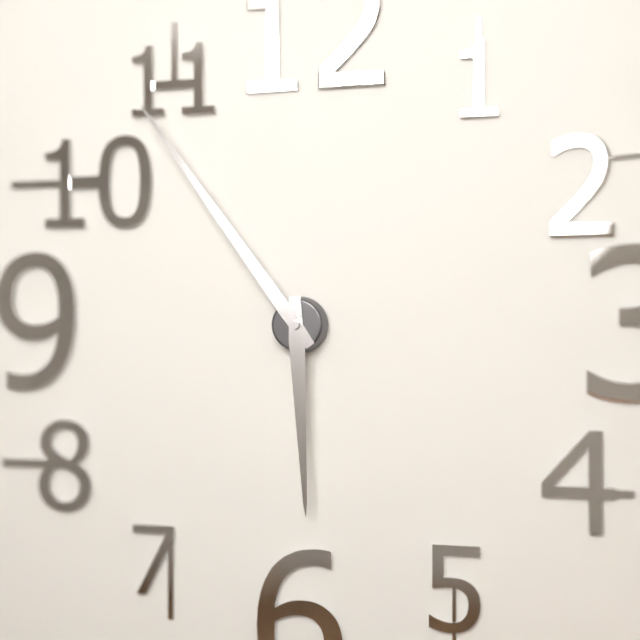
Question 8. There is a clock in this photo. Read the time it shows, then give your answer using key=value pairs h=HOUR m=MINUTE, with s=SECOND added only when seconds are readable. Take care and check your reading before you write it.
h=5 m=54
